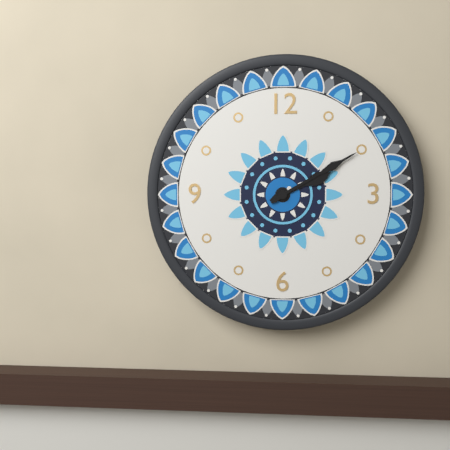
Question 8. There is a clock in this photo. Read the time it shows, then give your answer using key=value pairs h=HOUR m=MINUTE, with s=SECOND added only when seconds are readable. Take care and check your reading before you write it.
h=2 m=10
